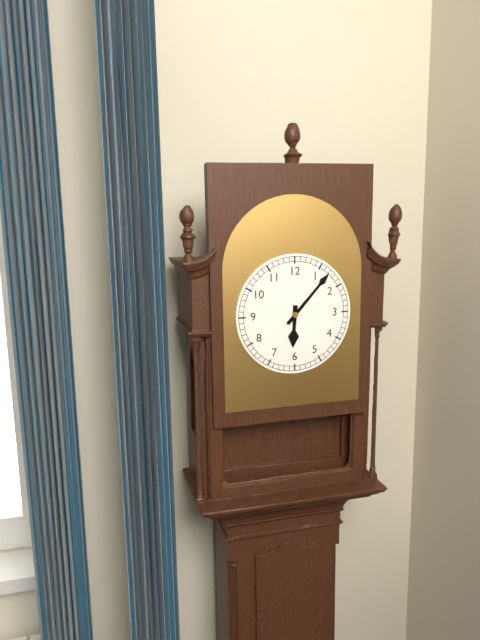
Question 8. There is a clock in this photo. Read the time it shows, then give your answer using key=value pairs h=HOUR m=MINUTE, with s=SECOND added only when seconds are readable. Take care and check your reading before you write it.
h=6 m=7
